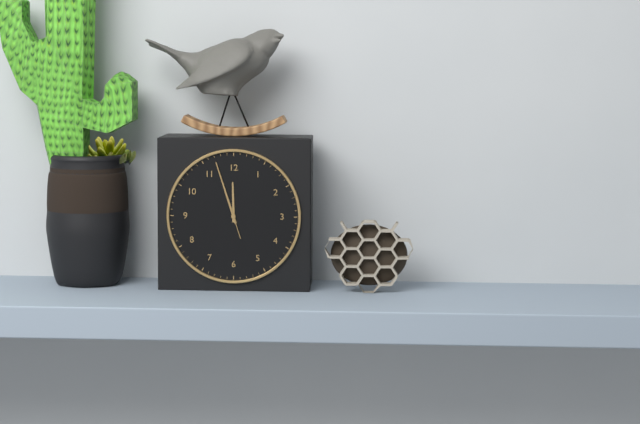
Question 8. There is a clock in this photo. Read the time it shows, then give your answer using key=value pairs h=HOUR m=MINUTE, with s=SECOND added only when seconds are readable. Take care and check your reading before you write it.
h=11 m=57 s=57
